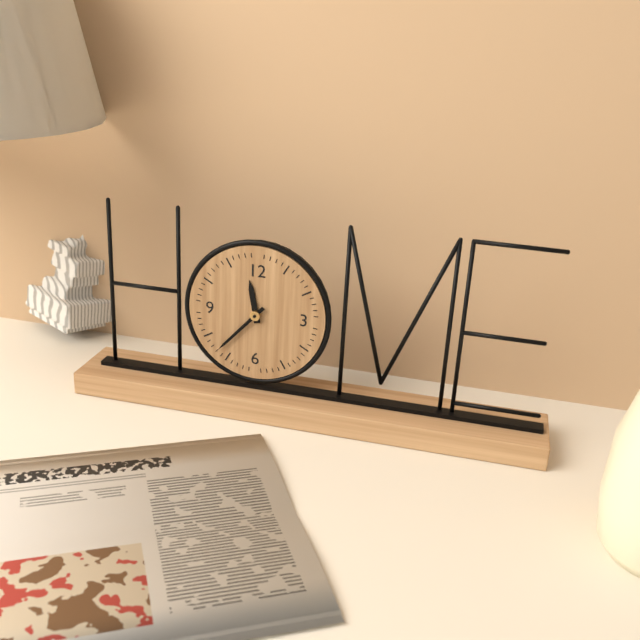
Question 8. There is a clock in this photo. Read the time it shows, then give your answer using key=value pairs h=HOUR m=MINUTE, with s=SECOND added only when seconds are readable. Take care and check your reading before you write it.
h=11 m=37
